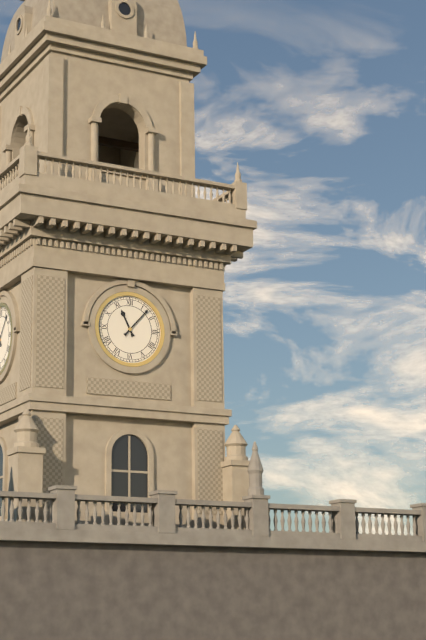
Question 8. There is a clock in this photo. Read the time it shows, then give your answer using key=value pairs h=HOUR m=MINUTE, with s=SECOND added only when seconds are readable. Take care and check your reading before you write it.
h=11 m=7
